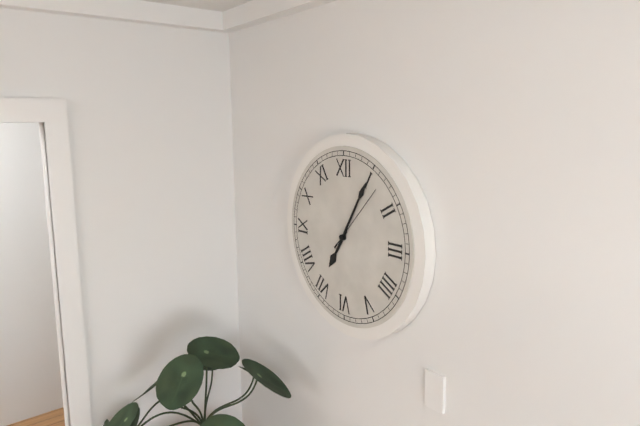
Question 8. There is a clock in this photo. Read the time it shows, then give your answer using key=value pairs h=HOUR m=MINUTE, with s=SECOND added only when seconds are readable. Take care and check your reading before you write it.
h=7 m=5 s=7
